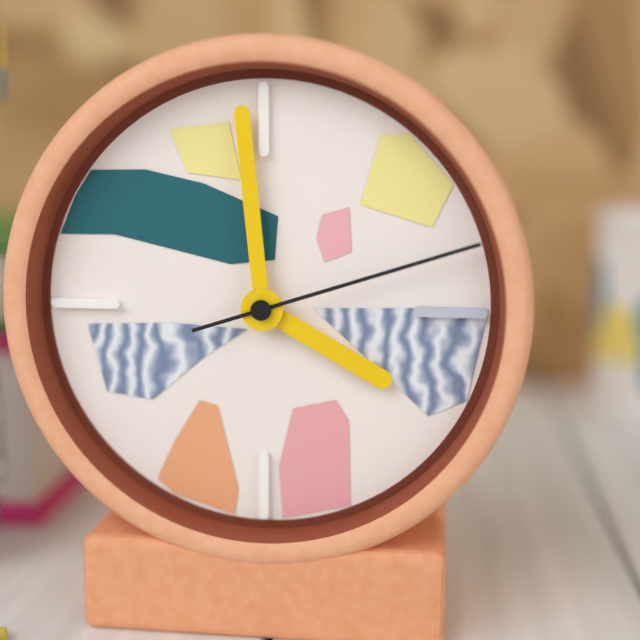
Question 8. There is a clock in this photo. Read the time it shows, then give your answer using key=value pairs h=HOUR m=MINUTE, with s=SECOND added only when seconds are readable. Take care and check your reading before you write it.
h=3 m=59 s=12
